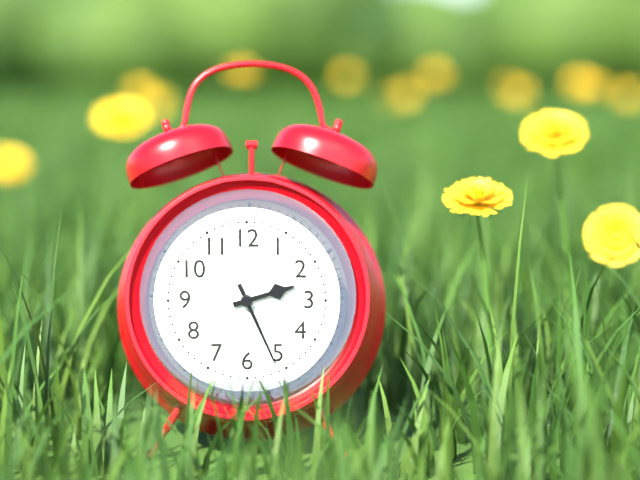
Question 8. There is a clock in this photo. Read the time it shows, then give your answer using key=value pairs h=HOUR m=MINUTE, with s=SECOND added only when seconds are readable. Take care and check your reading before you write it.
h=2 m=26
